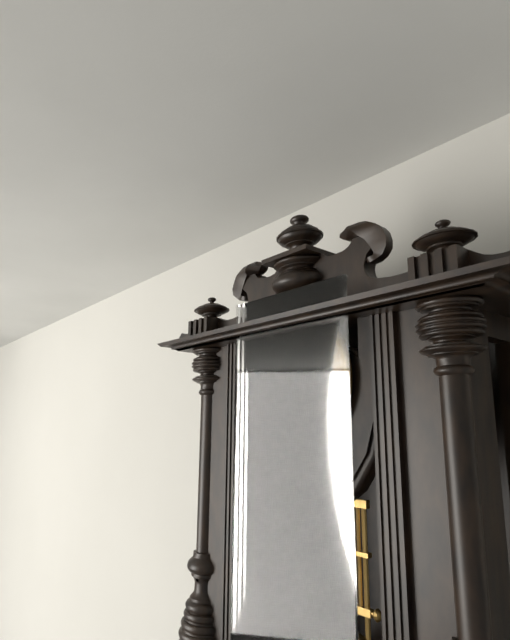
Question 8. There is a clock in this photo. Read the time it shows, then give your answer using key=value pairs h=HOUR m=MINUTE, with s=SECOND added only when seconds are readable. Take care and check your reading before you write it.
h=7 m=44
